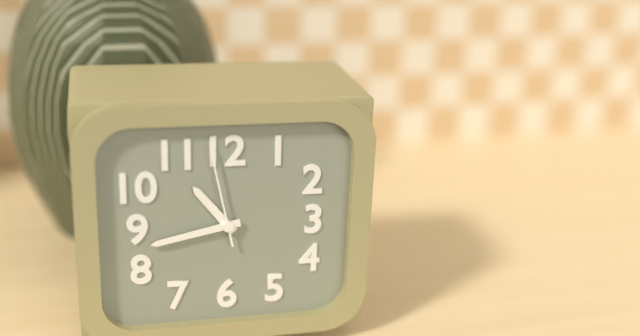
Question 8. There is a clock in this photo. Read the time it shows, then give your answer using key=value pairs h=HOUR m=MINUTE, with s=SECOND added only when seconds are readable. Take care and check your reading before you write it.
h=10 m=43 s=58
